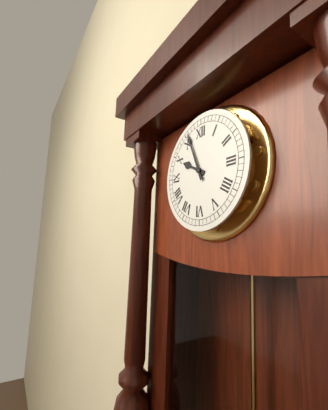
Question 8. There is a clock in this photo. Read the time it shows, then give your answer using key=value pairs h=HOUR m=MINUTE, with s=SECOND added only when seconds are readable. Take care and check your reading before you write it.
h=9 m=56
